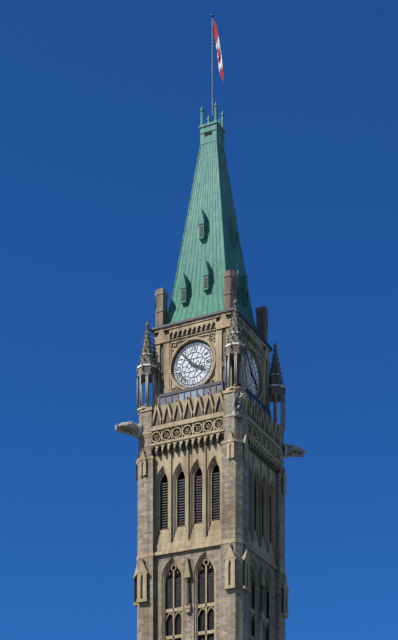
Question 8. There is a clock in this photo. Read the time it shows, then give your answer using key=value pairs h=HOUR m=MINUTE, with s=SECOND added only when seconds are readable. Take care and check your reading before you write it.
h=3 m=53
